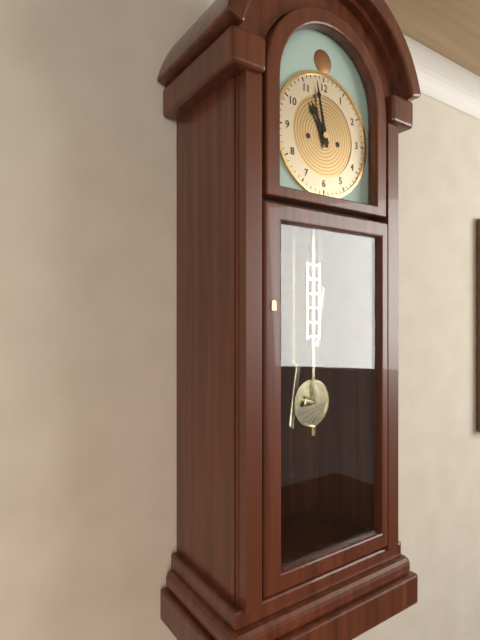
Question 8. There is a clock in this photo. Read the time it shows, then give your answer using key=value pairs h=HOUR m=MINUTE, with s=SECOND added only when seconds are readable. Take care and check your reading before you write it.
h=10 m=58
